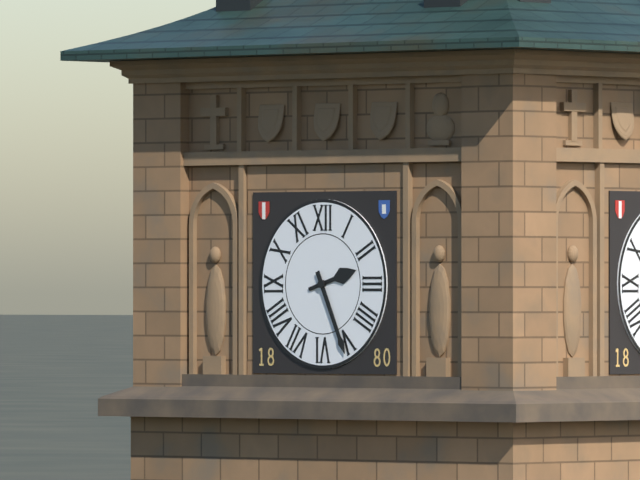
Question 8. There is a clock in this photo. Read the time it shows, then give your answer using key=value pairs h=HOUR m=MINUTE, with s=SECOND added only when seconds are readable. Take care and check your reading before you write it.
h=2 m=26
